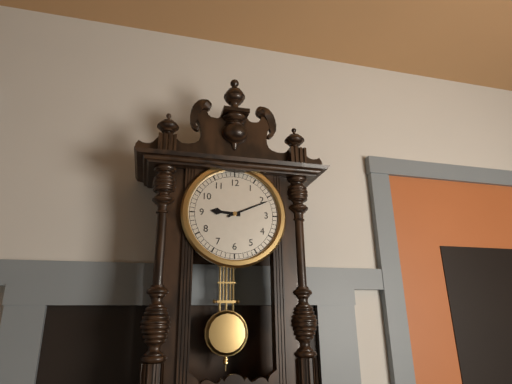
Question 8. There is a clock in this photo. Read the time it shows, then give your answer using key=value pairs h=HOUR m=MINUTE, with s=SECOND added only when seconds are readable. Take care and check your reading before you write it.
h=9 m=11
